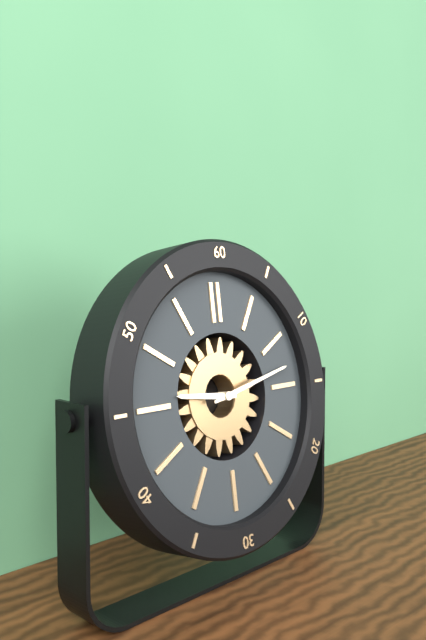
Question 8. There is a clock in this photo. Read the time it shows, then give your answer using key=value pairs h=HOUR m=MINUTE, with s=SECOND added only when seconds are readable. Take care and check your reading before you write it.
h=9 m=13
